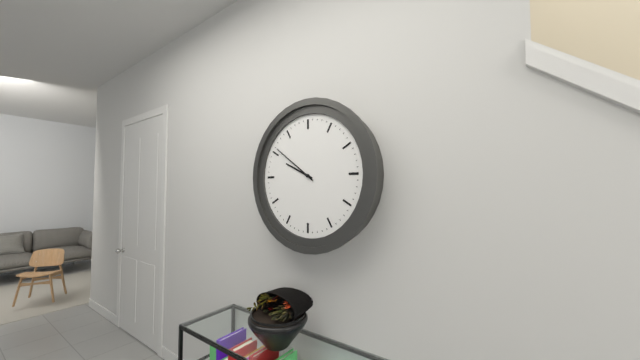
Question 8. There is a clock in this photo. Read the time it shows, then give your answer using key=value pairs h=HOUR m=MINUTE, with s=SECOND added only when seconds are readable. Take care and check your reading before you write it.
h=9 m=51
